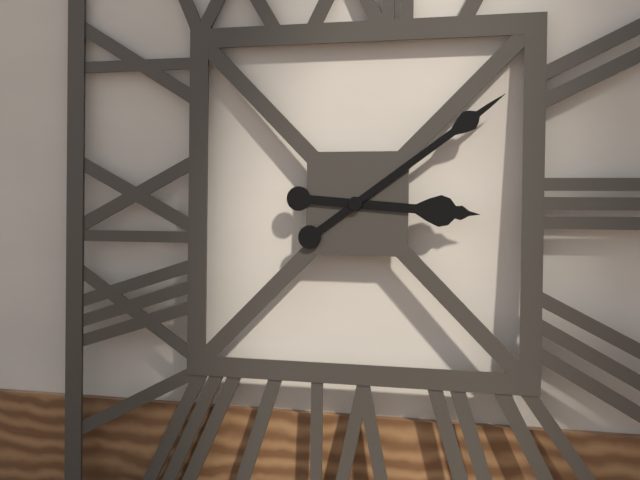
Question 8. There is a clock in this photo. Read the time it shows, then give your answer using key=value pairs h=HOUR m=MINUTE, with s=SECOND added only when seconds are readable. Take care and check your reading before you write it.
h=3 m=9
